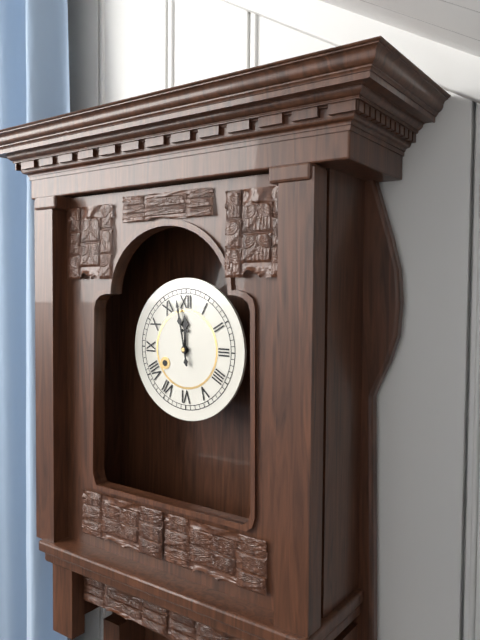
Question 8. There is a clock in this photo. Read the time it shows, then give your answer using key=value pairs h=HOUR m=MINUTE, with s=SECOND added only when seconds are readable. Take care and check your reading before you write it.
h=11 m=58
